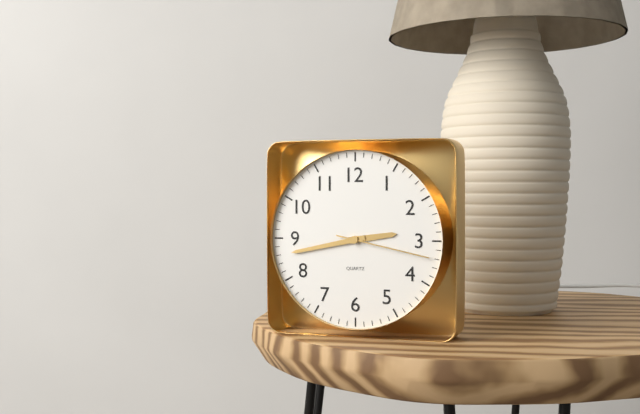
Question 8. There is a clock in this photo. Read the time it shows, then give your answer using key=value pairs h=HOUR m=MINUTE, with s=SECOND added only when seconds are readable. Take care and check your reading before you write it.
h=2 m=43 s=17
